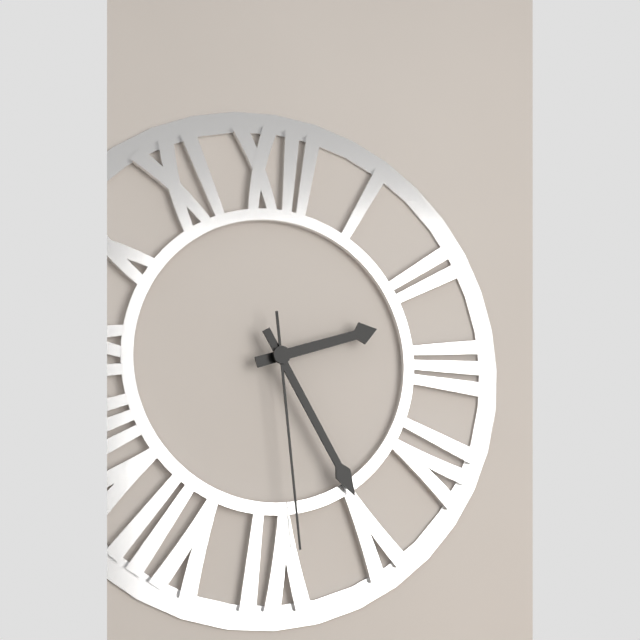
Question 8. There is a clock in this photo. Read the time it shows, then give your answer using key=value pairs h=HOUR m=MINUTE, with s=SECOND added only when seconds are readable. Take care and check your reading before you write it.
h=2 m=25 s=29
